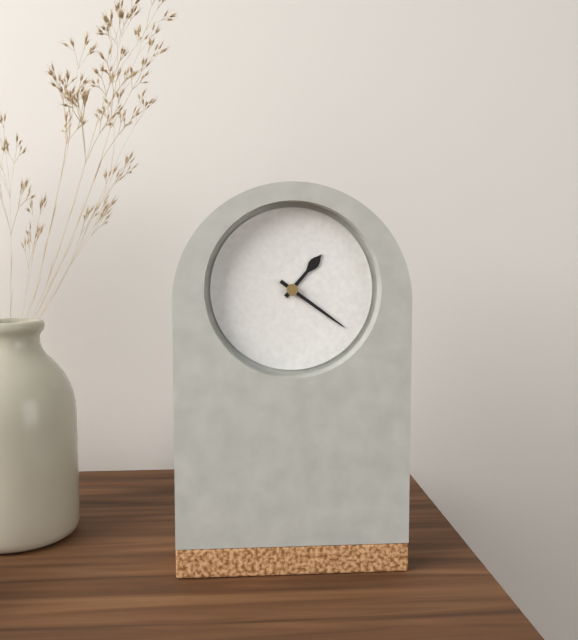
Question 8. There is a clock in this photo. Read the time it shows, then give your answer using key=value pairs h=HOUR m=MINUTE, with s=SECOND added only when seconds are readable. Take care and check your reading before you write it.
h=1 m=21
